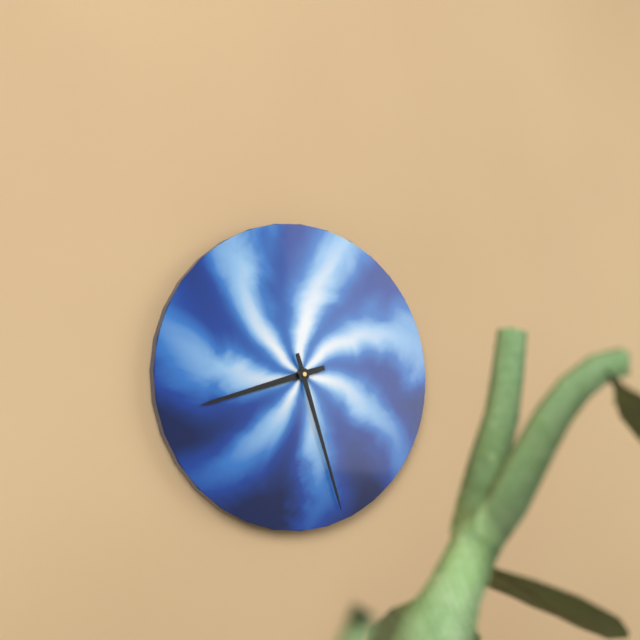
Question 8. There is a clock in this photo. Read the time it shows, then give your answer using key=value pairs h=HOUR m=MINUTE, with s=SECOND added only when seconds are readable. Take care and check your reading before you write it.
h=8 m=27
